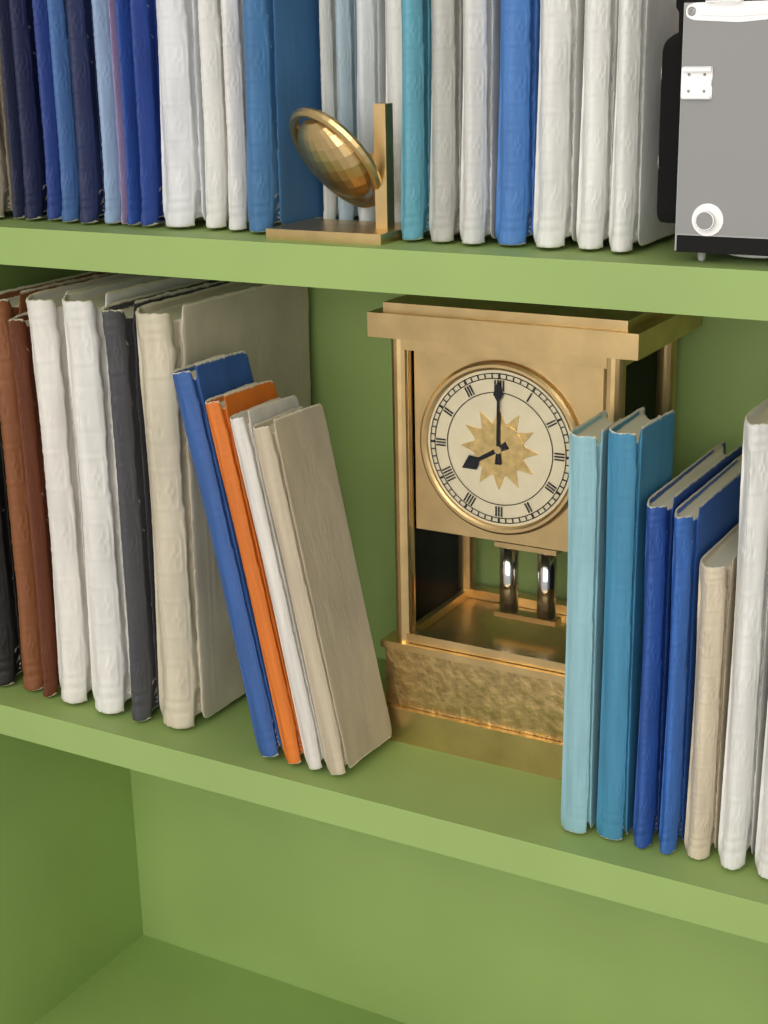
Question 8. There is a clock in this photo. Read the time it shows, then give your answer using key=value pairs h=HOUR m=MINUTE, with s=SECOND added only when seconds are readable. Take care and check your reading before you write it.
h=8 m=0
